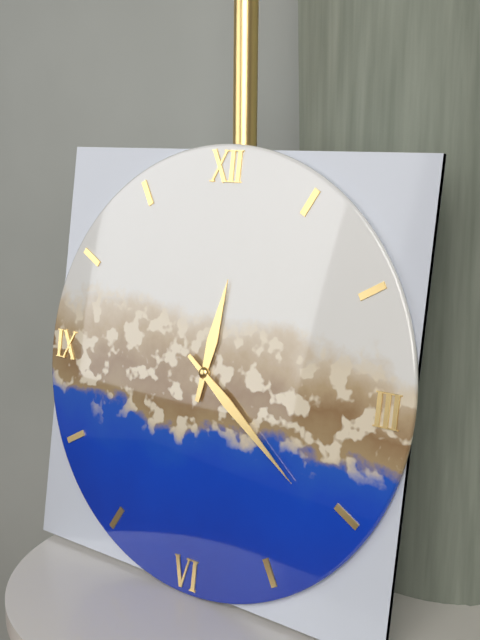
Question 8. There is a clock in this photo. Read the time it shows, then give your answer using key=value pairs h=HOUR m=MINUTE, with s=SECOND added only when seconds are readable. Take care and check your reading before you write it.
h=12 m=21
